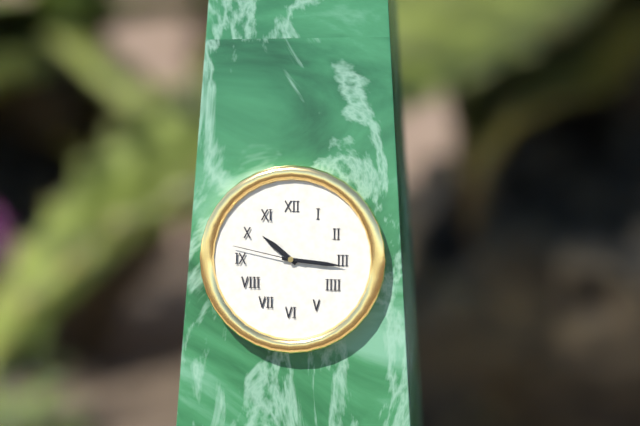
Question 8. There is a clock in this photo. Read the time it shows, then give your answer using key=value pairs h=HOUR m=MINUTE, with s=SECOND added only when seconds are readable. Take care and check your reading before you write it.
h=10 m=16 s=47
